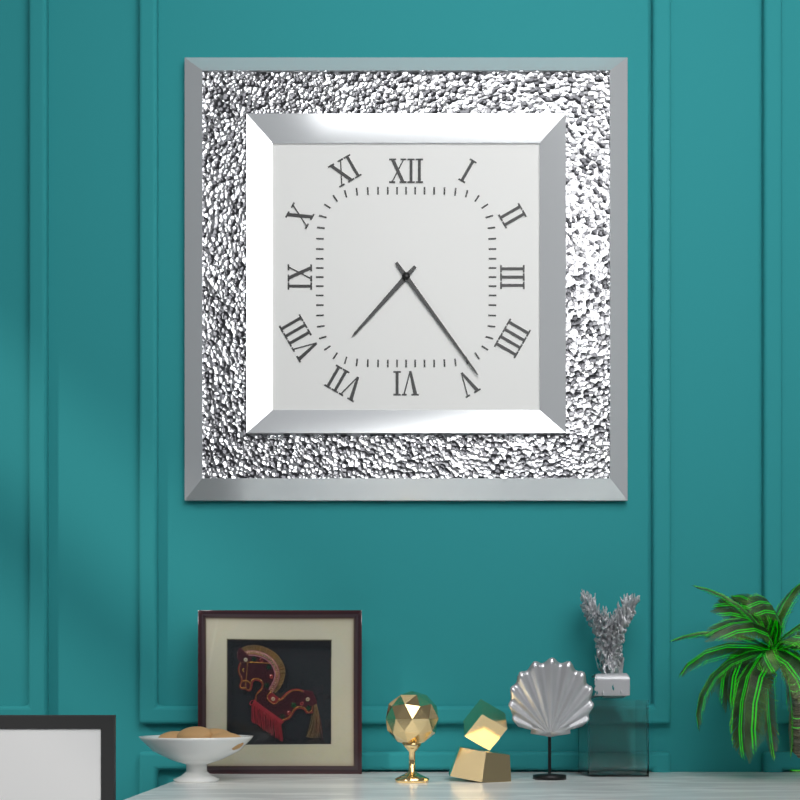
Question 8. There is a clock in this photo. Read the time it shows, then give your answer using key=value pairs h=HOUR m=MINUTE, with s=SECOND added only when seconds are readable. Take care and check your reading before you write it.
h=7 m=24
